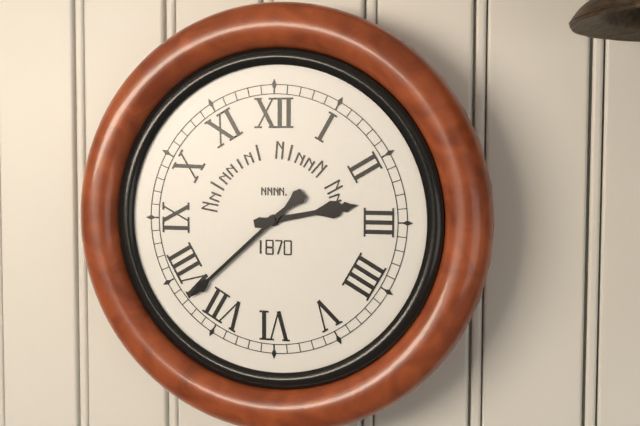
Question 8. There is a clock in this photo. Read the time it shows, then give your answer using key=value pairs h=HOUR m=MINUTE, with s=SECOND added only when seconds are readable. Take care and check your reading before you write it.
h=2 m=38
